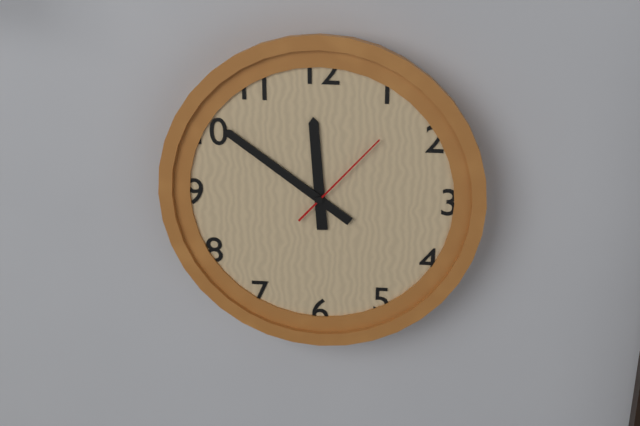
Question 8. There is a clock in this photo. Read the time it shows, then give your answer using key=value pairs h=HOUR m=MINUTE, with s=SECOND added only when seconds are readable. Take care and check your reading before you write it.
h=11 m=51 s=7
